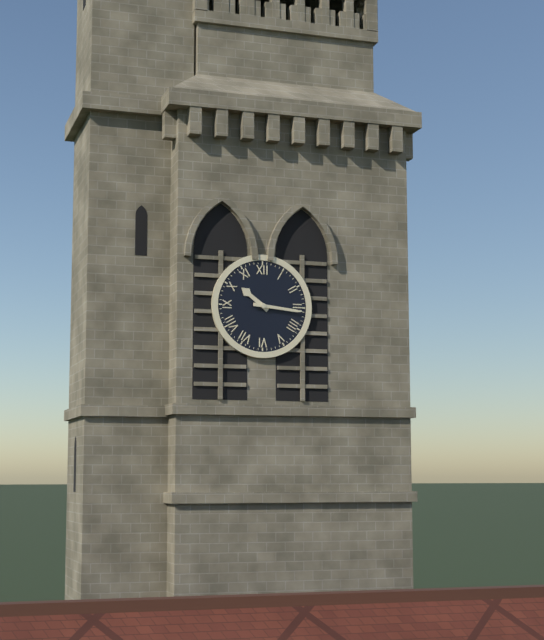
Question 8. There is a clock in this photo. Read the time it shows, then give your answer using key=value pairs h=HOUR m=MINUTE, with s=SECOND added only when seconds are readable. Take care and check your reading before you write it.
h=10 m=16
